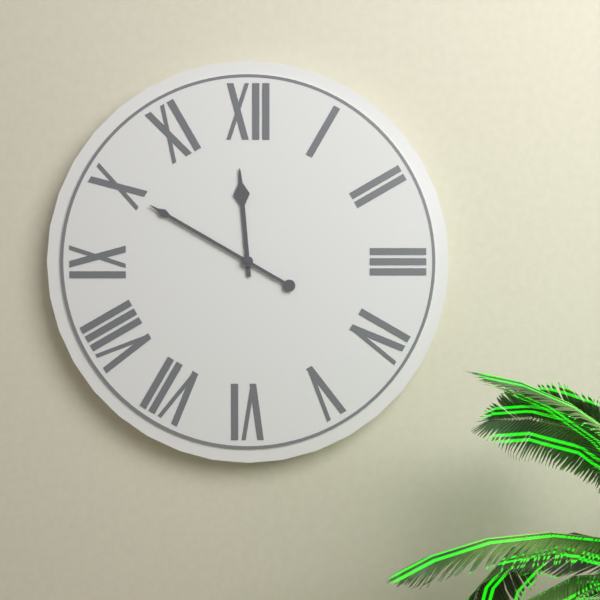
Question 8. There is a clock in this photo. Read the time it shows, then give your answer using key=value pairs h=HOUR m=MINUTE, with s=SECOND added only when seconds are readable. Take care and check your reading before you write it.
h=11 m=50
